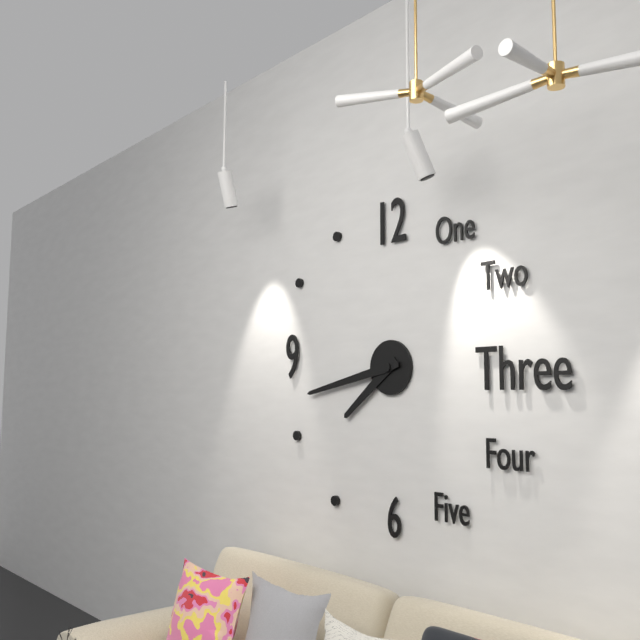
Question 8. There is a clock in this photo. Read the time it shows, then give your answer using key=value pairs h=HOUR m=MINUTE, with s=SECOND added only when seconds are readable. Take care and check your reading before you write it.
h=7 m=43
